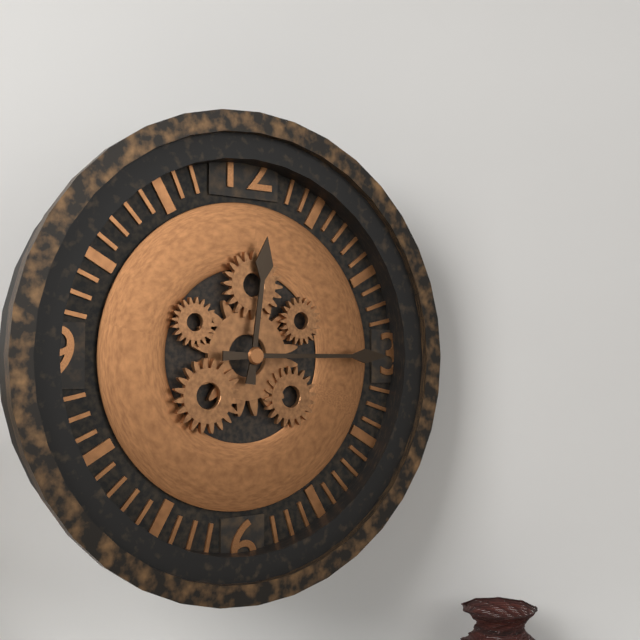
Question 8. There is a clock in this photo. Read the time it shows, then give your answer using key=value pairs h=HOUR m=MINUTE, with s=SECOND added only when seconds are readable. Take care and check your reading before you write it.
h=12 m=15
